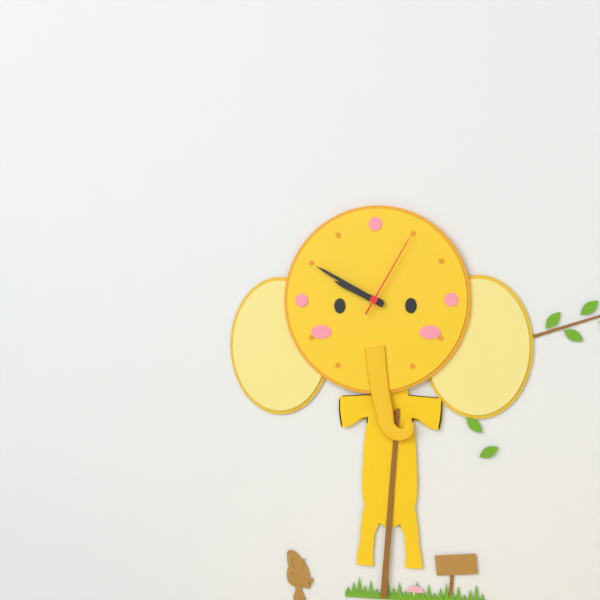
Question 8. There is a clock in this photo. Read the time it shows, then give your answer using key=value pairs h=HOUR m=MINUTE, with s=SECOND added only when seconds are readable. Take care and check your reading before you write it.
h=9 m=50 s=5
